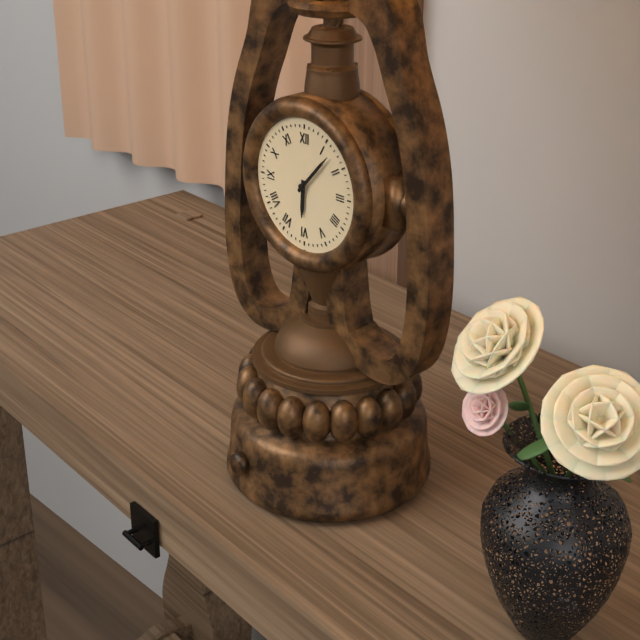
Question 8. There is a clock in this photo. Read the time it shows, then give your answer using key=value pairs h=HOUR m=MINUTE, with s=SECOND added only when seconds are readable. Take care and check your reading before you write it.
h=6 m=7
